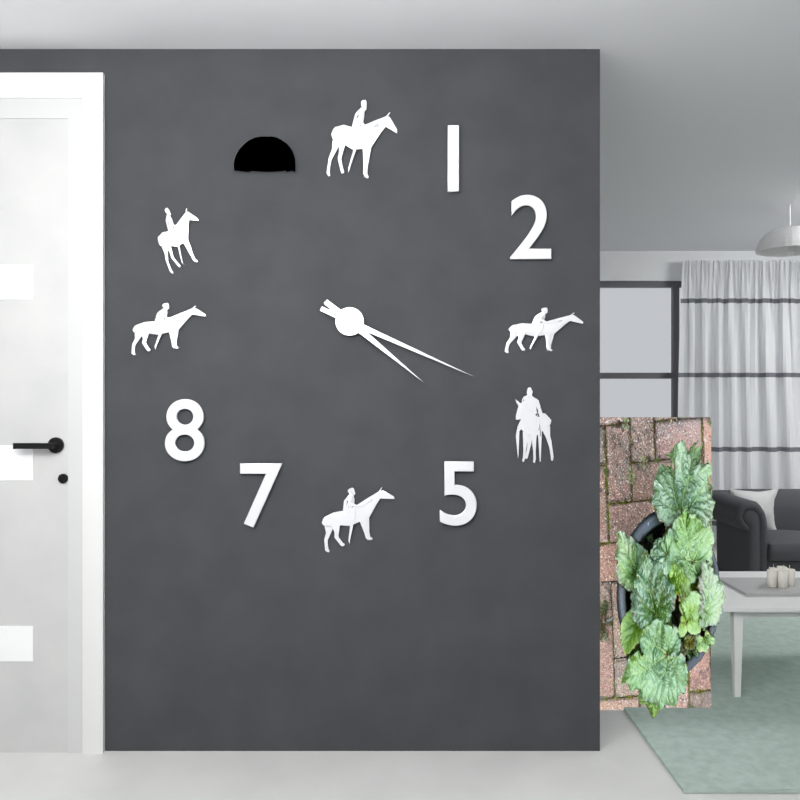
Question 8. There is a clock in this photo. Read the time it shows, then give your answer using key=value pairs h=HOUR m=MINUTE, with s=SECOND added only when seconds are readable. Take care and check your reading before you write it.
h=4 m=19
